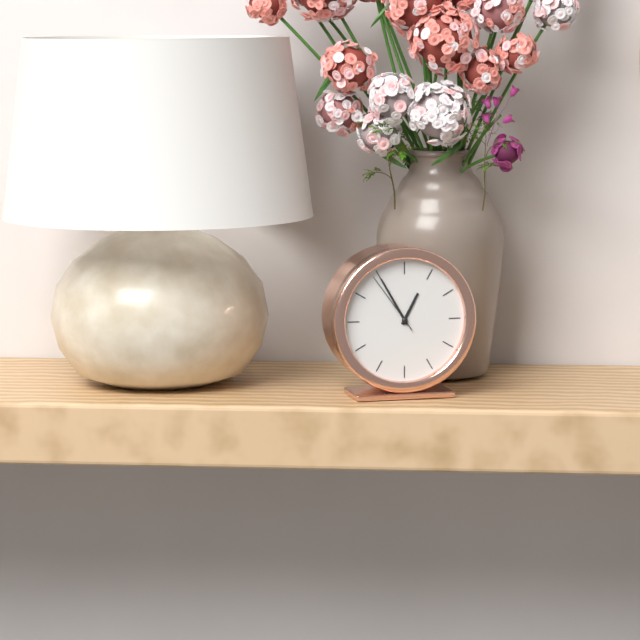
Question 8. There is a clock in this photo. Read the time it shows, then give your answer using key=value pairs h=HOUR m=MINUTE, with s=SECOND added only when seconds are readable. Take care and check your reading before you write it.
h=12 m=55 s=54
